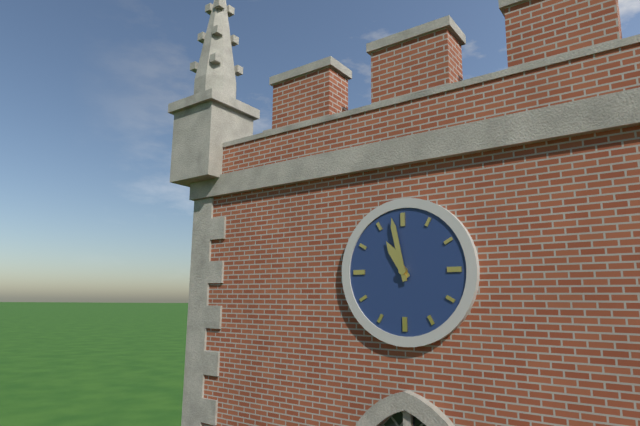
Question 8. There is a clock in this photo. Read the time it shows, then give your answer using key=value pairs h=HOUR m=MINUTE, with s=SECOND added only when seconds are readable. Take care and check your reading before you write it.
h=10 m=58
